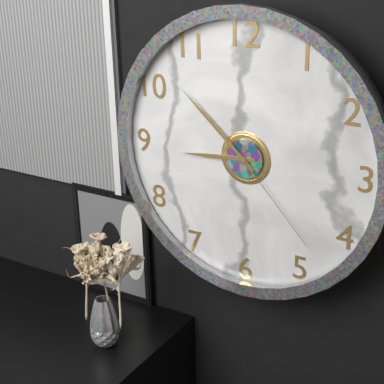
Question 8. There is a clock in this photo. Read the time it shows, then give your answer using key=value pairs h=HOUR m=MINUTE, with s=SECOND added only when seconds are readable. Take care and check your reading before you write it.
h=8 m=52 s=23
